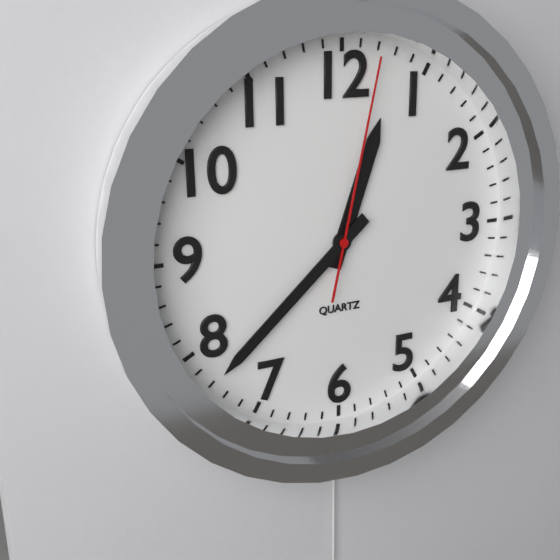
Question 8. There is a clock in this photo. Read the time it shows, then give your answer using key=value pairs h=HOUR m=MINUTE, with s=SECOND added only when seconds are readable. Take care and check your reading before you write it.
h=12 m=38 s=2
